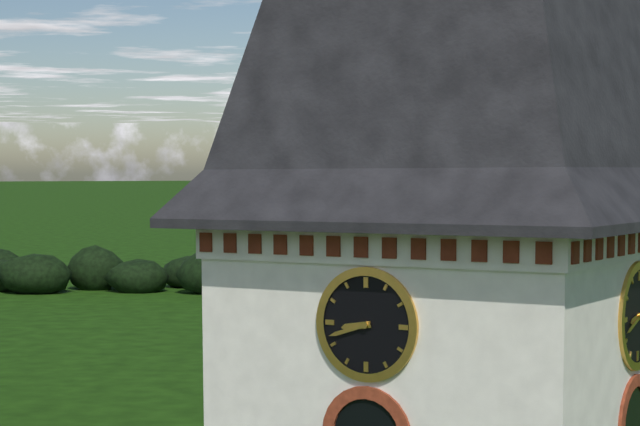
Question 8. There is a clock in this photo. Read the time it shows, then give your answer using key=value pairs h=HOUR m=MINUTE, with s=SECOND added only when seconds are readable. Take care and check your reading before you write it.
h=8 m=42
